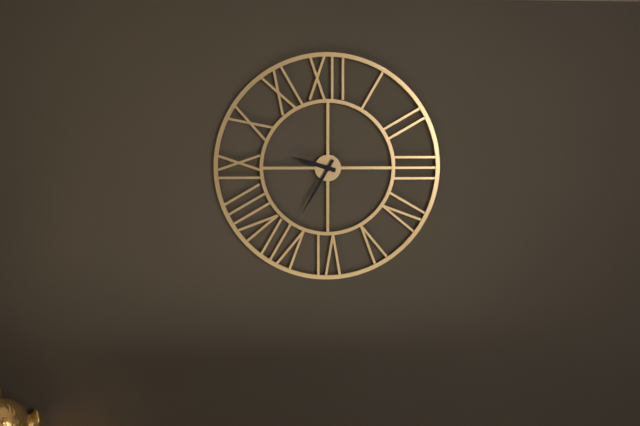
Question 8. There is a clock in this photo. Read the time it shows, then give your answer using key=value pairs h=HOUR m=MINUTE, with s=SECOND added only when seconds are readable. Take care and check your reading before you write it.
h=9 m=35
